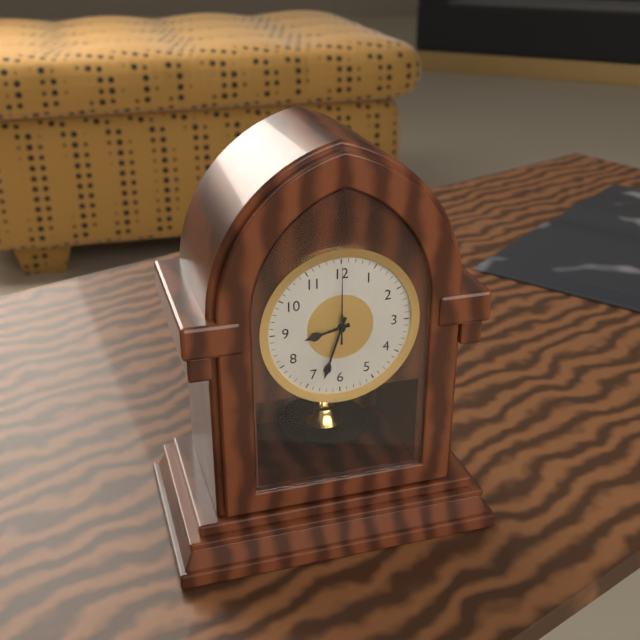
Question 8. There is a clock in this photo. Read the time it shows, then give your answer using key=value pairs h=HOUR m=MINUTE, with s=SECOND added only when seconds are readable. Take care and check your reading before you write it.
h=8 m=33 s=0
